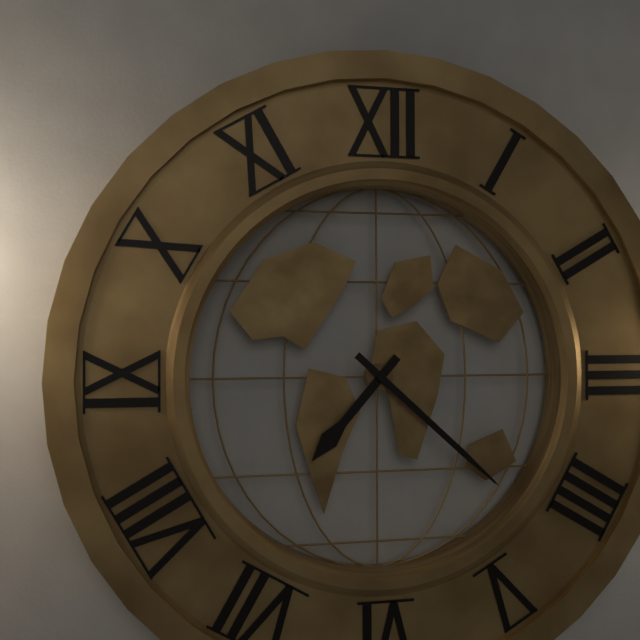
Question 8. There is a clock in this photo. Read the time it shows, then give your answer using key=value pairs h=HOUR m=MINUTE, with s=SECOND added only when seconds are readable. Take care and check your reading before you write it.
h=7 m=22
